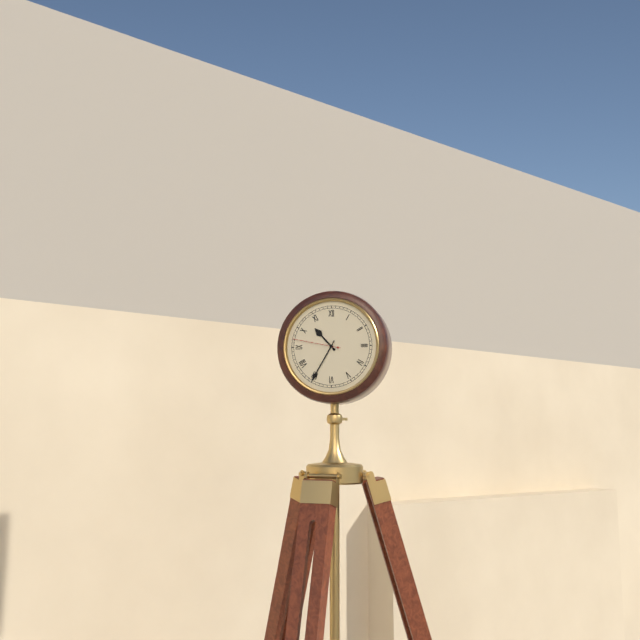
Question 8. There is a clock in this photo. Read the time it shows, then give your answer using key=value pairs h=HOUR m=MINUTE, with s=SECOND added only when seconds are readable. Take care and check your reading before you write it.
h=10 m=35 s=47
